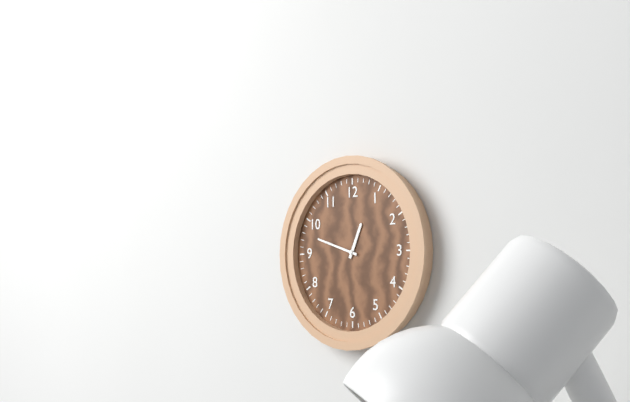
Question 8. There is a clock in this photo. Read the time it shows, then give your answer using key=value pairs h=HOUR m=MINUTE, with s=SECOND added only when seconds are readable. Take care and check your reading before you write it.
h=12 m=48
